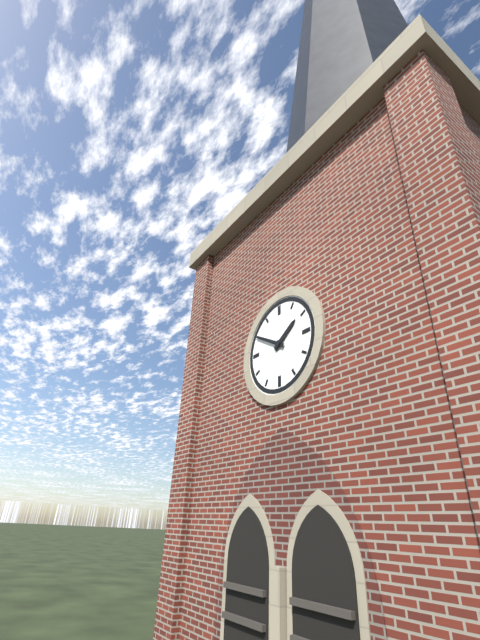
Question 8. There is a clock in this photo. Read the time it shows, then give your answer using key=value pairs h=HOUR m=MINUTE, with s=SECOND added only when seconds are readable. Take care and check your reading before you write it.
h=1 m=50
